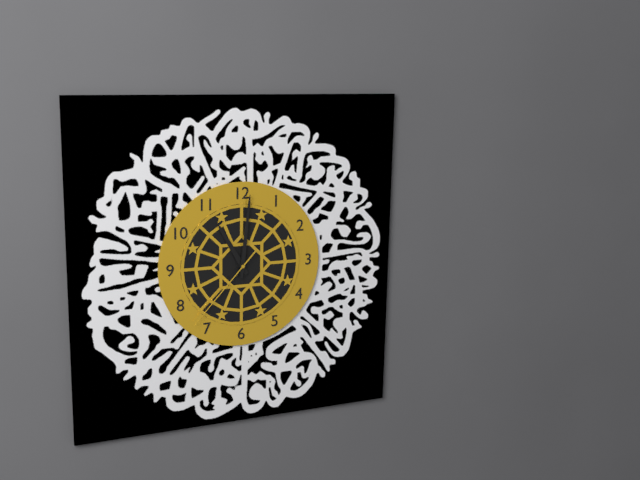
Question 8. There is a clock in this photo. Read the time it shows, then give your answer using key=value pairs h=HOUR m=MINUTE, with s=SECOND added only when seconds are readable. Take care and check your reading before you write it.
h=11 m=1 s=37
